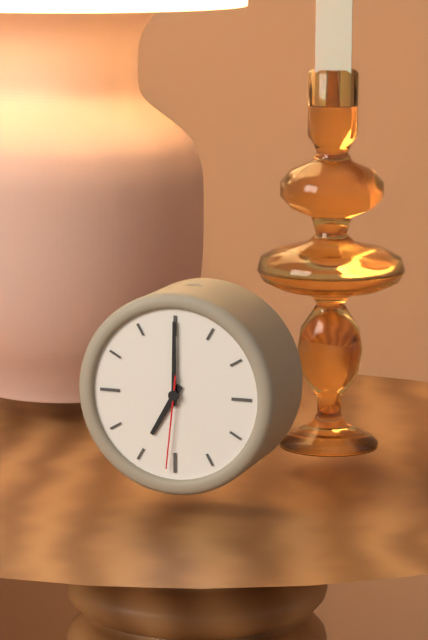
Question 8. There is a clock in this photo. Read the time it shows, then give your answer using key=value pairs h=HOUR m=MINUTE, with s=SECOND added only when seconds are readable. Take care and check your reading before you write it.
h=7 m=0 s=31
